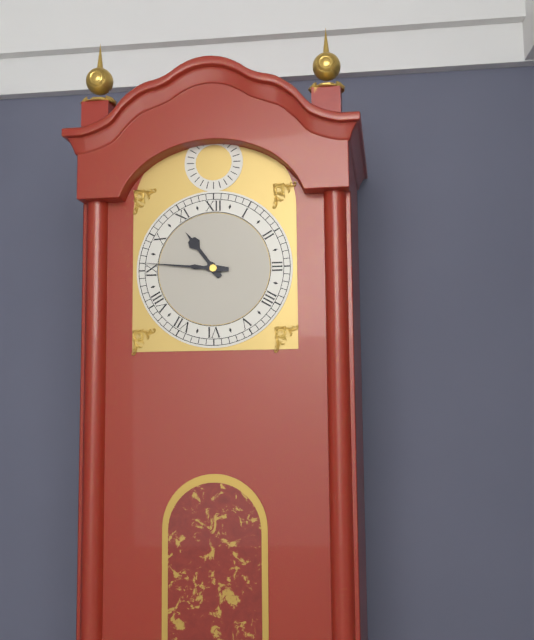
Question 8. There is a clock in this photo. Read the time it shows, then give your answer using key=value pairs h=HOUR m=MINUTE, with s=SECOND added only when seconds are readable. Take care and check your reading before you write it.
h=10 m=46
